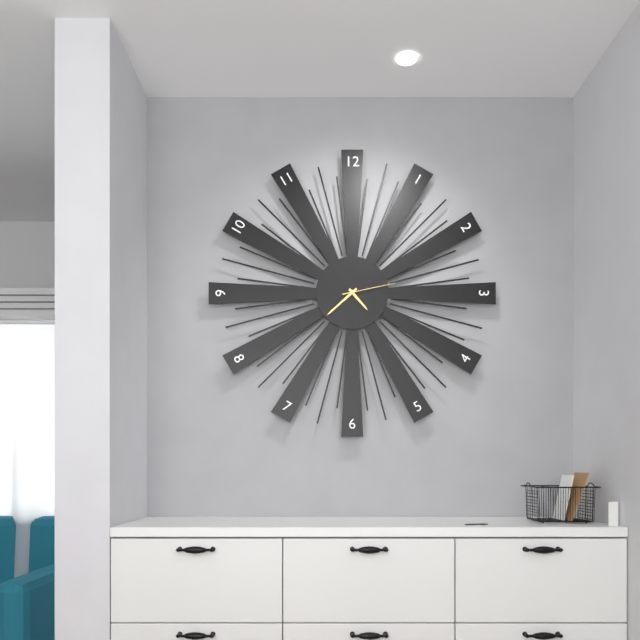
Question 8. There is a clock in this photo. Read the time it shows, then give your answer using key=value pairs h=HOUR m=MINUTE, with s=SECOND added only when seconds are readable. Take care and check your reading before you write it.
h=4 m=38 s=13
